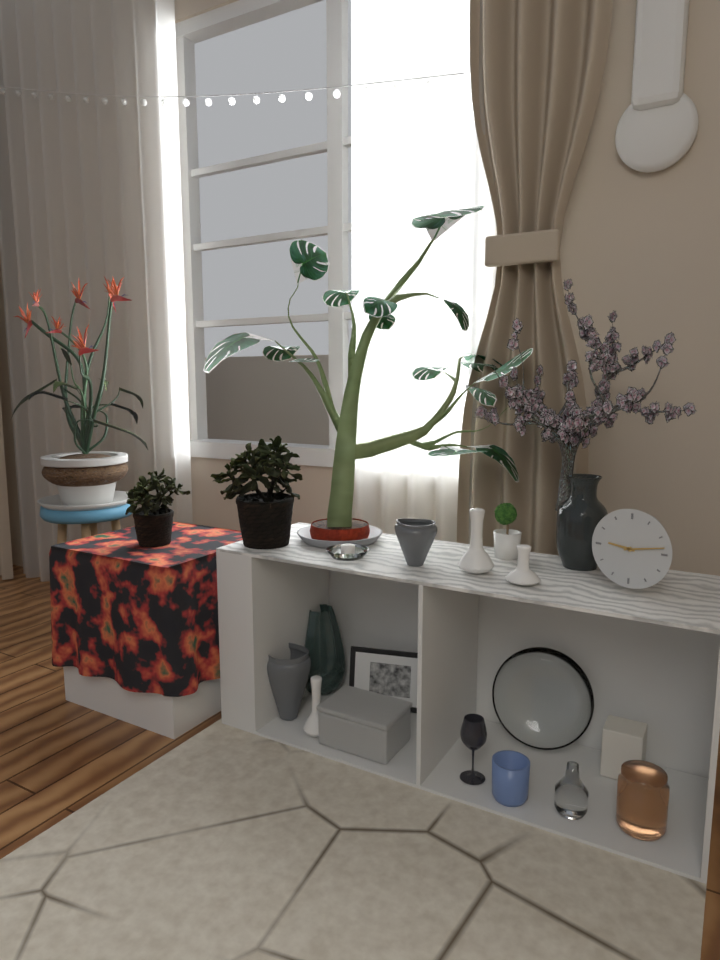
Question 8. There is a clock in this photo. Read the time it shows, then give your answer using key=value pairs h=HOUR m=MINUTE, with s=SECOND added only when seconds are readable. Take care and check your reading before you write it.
h=9 m=13
